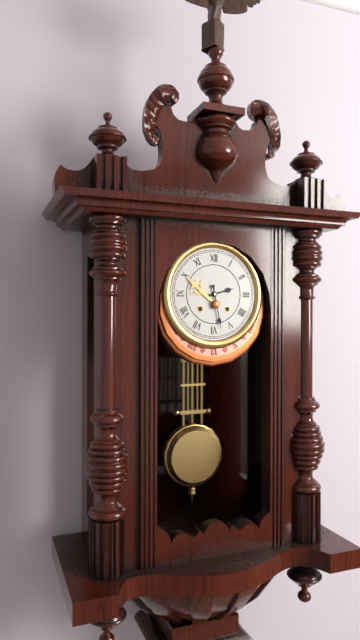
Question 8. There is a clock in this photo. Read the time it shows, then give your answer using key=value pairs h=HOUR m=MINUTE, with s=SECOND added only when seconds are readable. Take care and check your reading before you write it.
h=2 m=28
